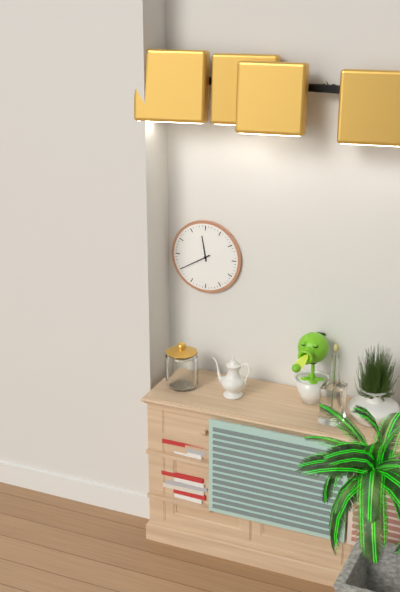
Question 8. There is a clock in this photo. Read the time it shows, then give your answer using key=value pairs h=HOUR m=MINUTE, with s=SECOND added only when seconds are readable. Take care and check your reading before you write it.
h=11 m=40
